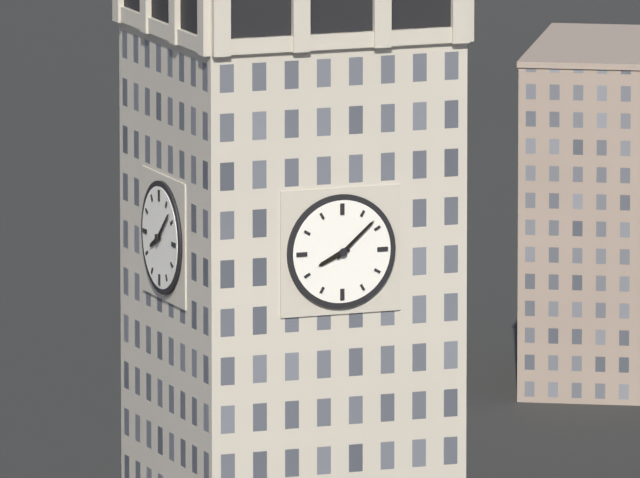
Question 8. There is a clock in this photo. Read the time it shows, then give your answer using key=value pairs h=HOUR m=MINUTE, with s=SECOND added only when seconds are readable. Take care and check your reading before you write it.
h=8 m=8
